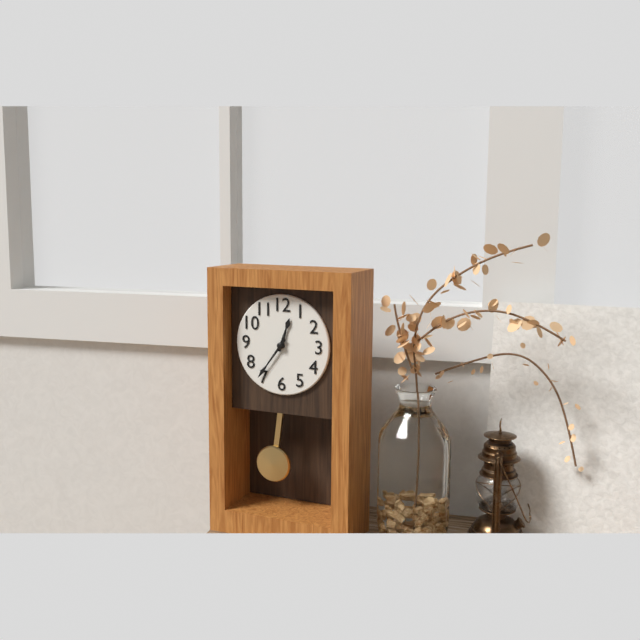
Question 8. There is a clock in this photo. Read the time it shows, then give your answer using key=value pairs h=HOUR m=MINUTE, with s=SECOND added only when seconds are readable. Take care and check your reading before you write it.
h=12 m=36
